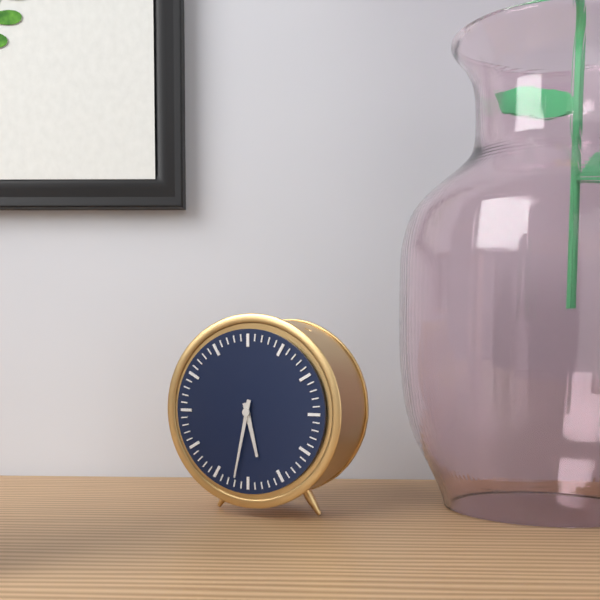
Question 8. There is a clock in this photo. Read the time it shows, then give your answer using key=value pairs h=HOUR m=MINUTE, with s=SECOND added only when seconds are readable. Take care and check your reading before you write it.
h=5 m=32
